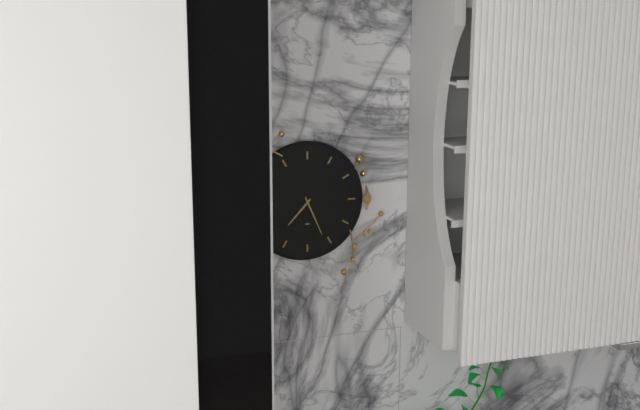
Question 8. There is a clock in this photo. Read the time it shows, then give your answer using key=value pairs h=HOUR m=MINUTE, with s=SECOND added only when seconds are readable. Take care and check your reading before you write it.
h=7 m=26
